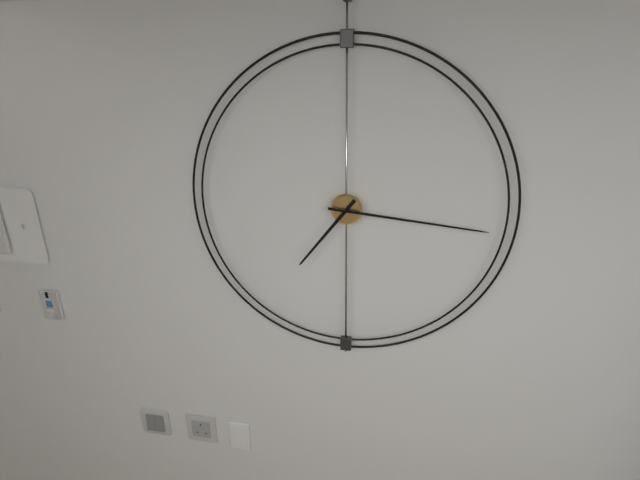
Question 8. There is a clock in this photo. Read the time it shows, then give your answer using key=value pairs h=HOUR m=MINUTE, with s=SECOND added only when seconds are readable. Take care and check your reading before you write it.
h=7 m=16
